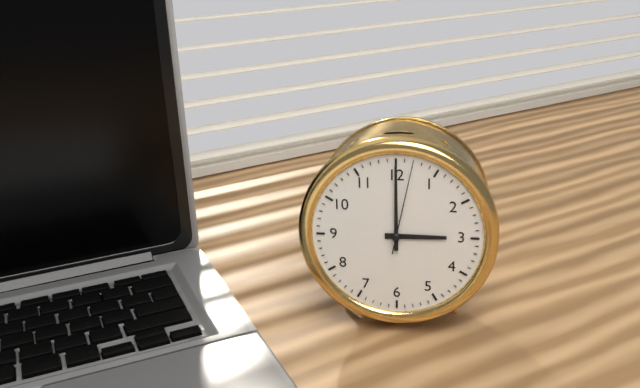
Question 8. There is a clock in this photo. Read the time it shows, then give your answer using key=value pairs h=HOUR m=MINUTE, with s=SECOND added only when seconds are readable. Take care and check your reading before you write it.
h=3 m=0 s=2
